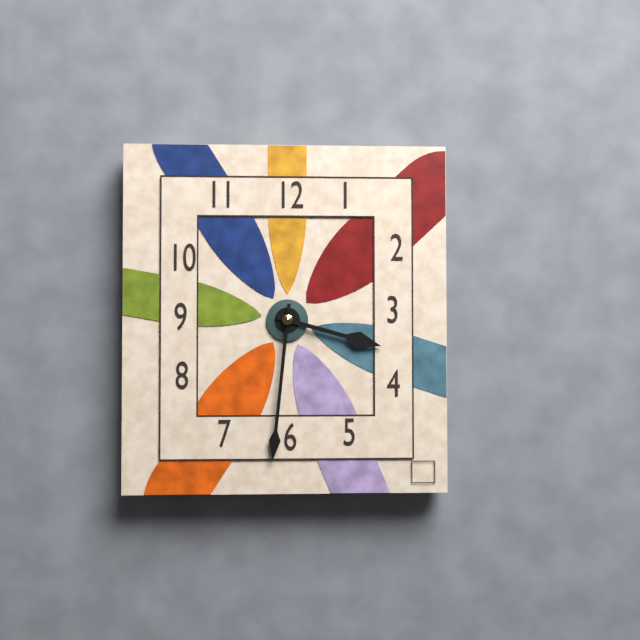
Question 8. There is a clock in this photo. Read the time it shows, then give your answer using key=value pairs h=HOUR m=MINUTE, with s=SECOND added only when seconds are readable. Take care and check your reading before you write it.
h=3 m=31
